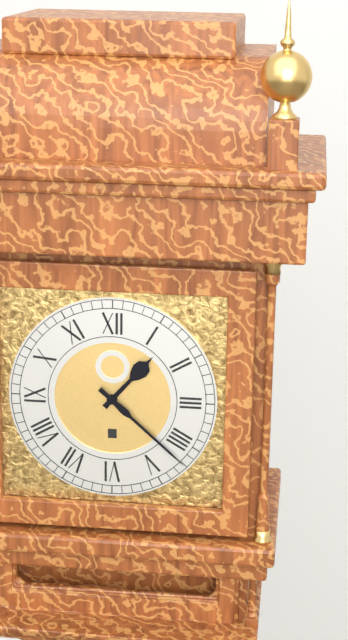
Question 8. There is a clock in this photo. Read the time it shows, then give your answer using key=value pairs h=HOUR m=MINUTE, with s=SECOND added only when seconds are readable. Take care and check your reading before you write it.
h=1 m=22
